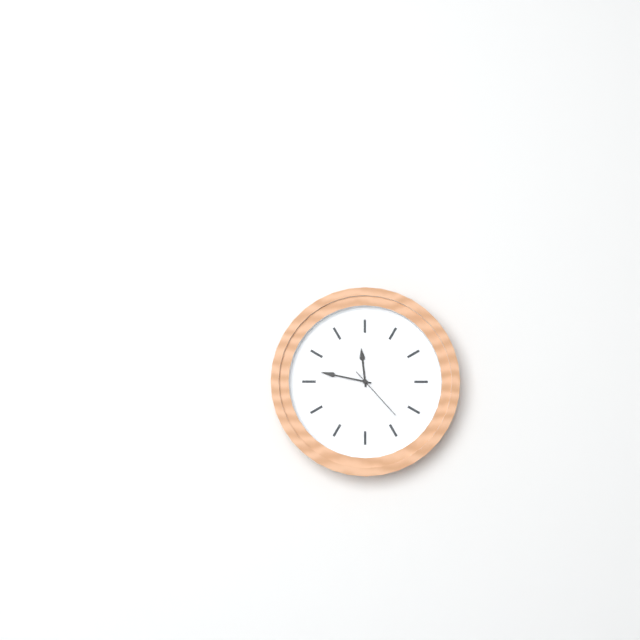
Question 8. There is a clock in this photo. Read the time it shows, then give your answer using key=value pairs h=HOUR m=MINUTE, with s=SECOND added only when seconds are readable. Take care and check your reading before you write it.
h=11 m=47 s=23
